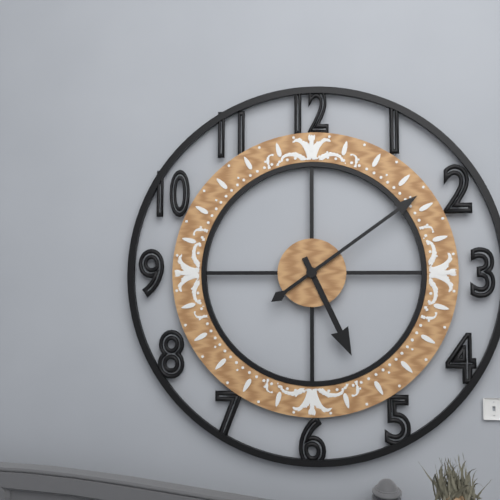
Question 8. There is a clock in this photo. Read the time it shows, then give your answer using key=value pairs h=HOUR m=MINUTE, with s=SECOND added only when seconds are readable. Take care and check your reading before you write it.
h=5 m=9
